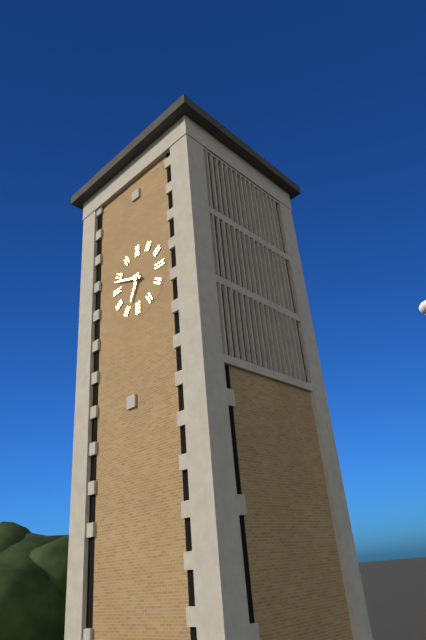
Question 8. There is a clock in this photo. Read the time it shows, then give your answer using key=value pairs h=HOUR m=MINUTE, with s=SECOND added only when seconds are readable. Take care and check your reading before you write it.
h=6 m=48
